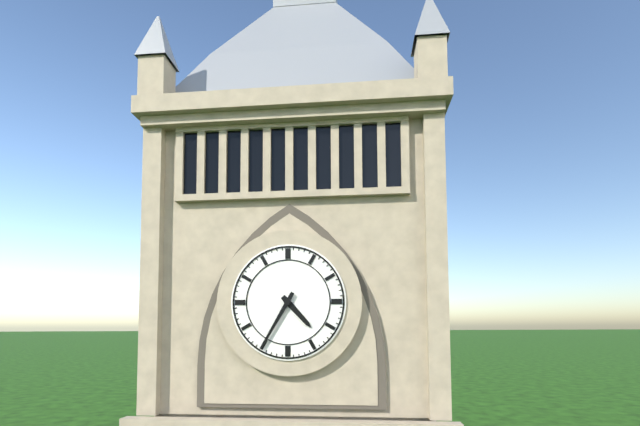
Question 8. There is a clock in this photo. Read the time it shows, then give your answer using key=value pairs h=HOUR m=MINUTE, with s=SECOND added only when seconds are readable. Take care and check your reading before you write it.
h=4 m=35
